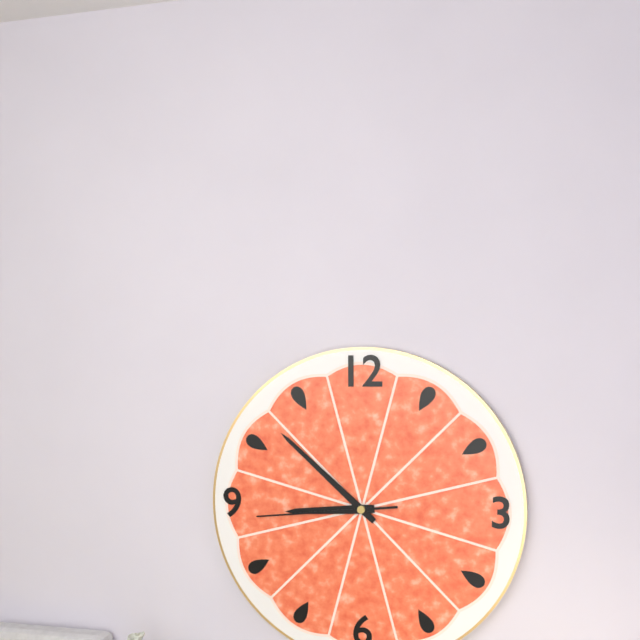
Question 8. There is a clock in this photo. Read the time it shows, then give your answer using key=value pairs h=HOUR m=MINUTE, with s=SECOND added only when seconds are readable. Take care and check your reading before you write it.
h=8 m=52 s=44
